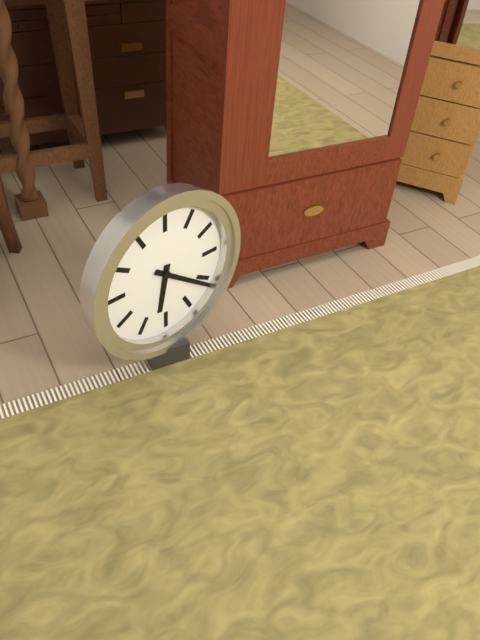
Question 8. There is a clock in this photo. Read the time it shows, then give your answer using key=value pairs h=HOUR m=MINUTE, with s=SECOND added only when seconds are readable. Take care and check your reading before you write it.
h=6 m=21
